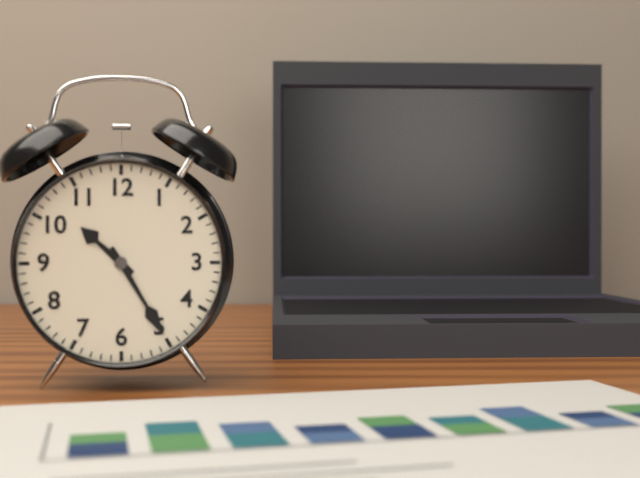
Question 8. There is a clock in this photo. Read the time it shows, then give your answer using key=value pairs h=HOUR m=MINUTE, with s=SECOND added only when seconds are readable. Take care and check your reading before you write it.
h=10 m=25
